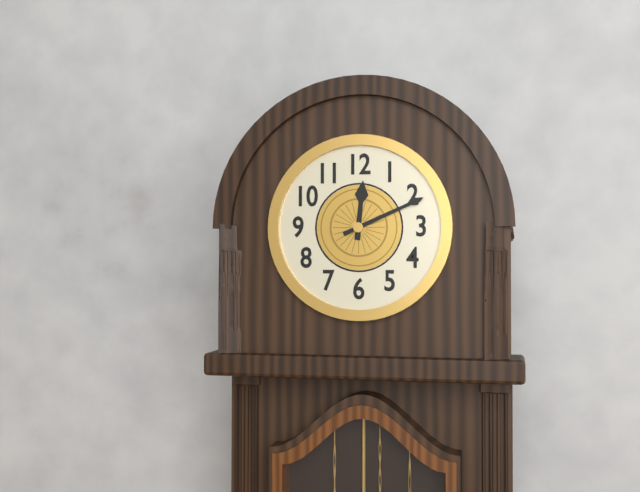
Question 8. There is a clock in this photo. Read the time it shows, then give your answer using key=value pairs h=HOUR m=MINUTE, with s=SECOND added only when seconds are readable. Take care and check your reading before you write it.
h=12 m=11
